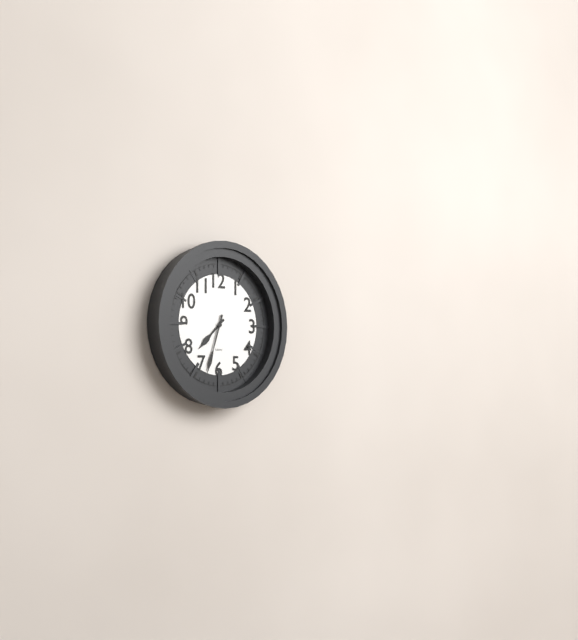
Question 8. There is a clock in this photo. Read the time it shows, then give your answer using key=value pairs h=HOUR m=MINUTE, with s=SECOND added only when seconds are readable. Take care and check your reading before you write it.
h=7 m=33
